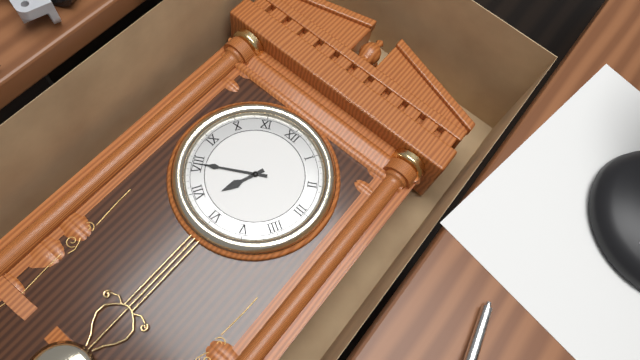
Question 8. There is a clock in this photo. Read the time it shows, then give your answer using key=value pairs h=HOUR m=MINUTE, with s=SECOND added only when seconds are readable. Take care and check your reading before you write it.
h=6 m=40
